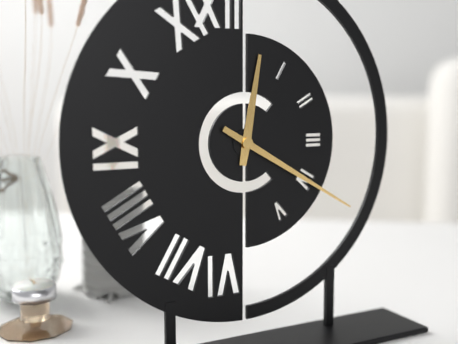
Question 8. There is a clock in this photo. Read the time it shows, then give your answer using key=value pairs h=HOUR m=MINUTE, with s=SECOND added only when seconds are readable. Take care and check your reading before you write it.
h=12 m=20
